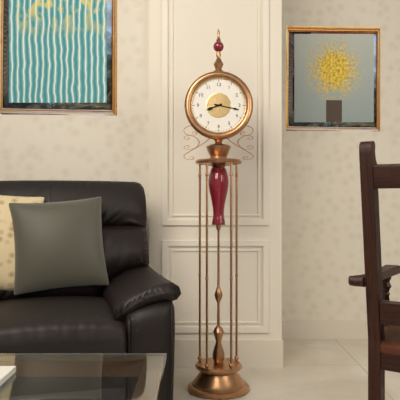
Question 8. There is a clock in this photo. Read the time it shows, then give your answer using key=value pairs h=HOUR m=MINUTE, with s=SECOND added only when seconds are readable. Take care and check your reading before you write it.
h=8 m=17
